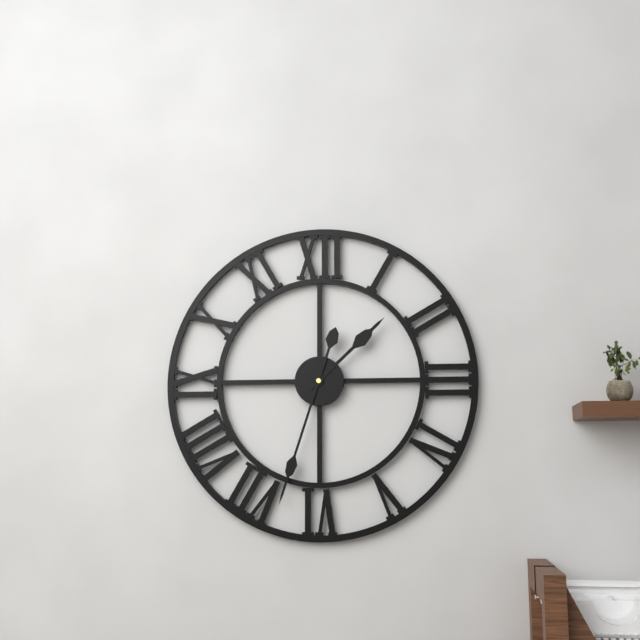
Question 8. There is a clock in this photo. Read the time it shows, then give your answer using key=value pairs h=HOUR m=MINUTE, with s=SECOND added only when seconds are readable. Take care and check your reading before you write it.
h=1 m=33
